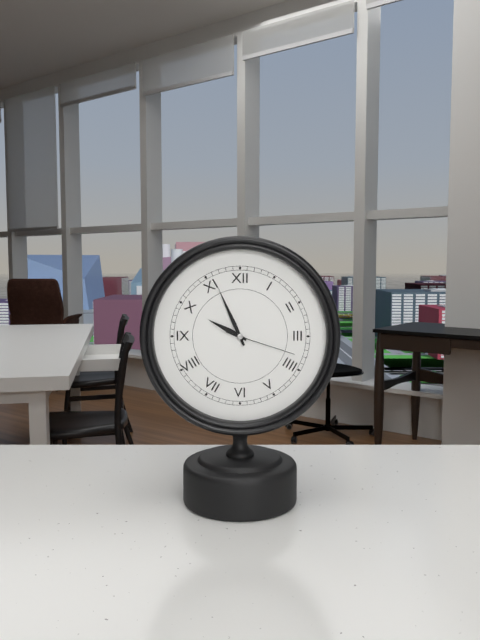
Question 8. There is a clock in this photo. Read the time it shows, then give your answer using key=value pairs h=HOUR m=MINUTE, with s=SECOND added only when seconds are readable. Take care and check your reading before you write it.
h=9 m=56 s=18
